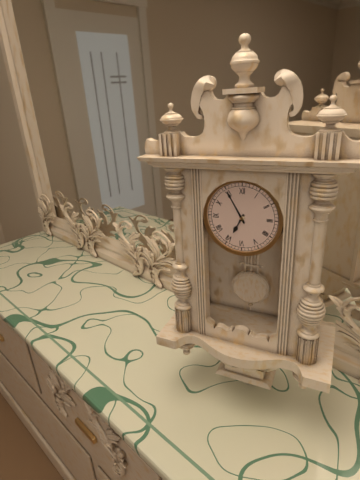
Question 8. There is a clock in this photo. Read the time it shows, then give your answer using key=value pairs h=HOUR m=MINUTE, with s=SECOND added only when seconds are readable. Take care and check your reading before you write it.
h=6 m=55
